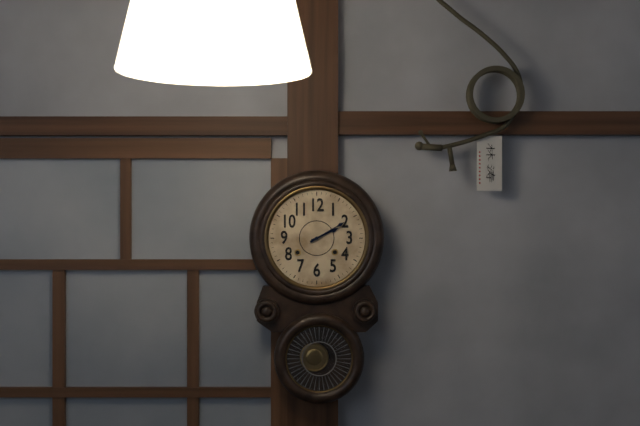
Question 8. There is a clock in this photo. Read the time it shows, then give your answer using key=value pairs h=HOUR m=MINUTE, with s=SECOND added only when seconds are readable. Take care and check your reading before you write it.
h=2 m=10
